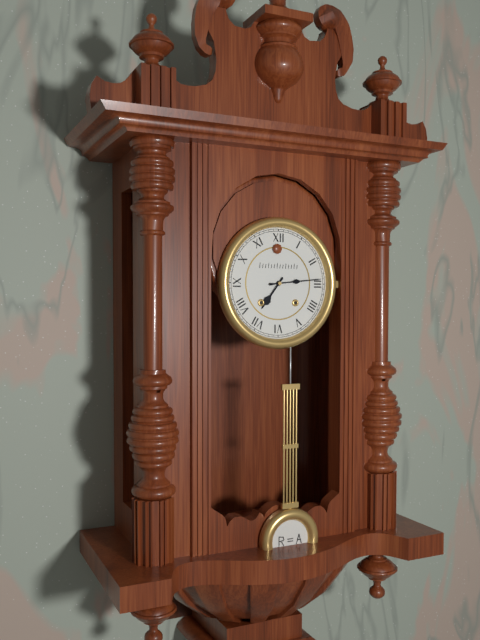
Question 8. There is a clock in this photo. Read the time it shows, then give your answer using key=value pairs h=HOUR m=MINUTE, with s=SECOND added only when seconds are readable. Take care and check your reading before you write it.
h=7 m=14
